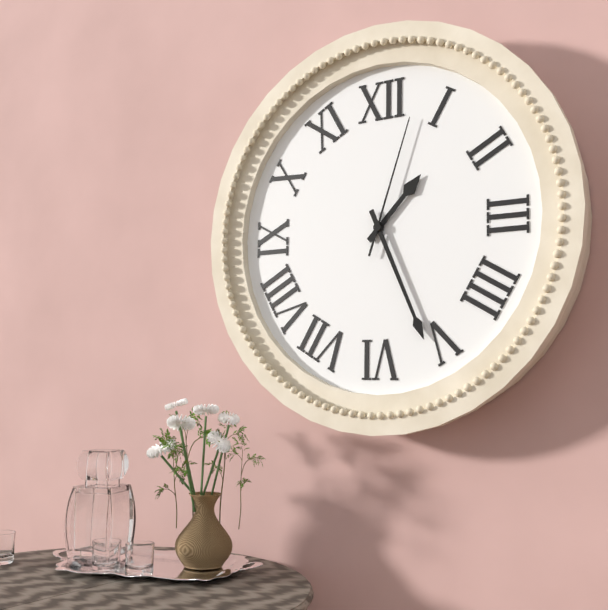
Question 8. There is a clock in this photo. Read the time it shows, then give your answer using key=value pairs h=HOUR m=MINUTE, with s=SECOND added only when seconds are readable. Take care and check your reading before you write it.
h=1 m=26 s=3
